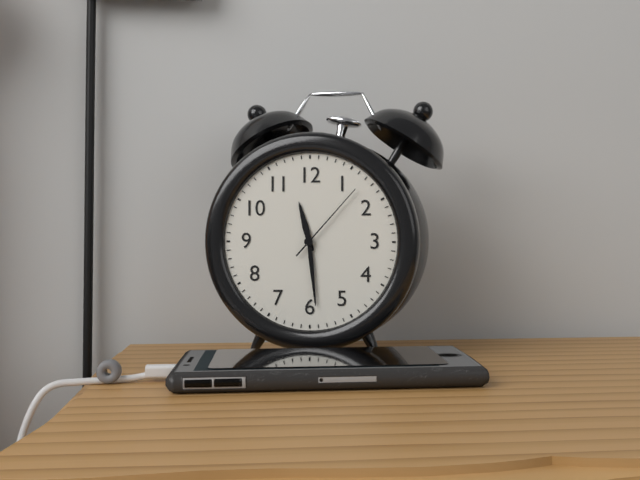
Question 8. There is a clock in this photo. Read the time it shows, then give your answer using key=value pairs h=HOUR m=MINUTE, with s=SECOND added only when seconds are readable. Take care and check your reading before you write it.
h=11 m=29 s=7
